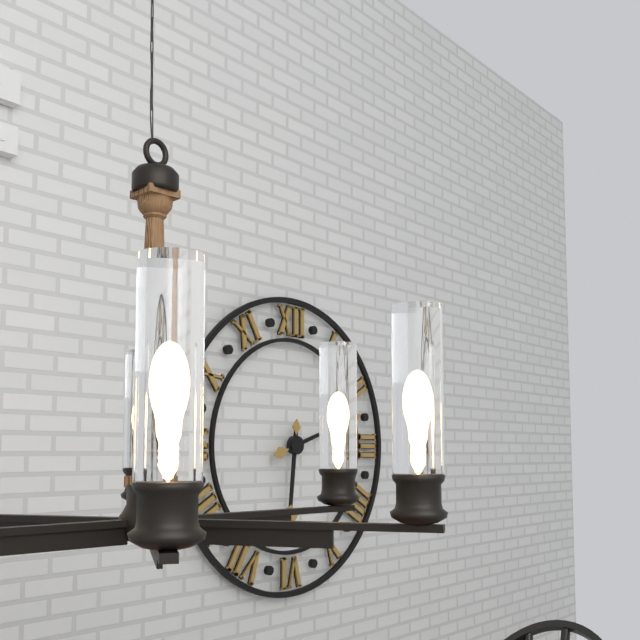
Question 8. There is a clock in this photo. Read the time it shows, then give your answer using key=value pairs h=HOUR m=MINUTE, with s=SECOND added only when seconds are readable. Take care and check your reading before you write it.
h=6 m=12
